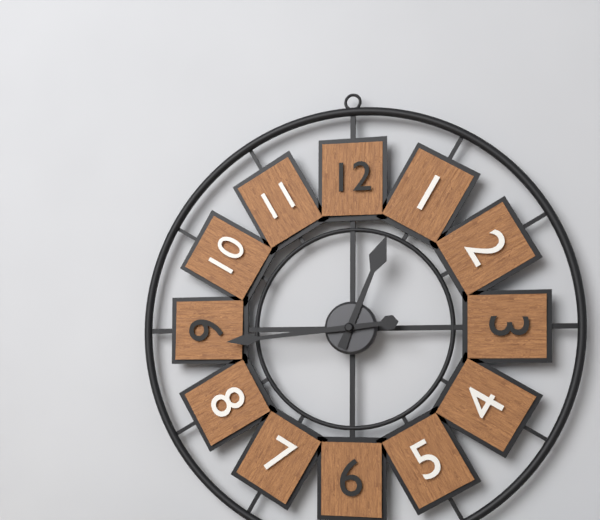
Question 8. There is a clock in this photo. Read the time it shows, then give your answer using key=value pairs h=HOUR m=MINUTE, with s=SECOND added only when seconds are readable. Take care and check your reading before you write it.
h=12 m=44
